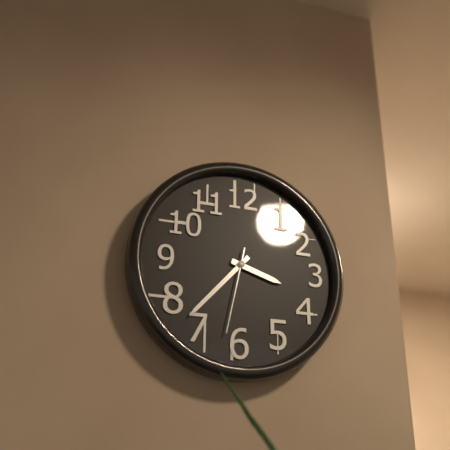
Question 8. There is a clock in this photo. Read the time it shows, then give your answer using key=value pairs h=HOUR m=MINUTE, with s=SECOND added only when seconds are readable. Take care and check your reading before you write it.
h=3 m=37 s=32
